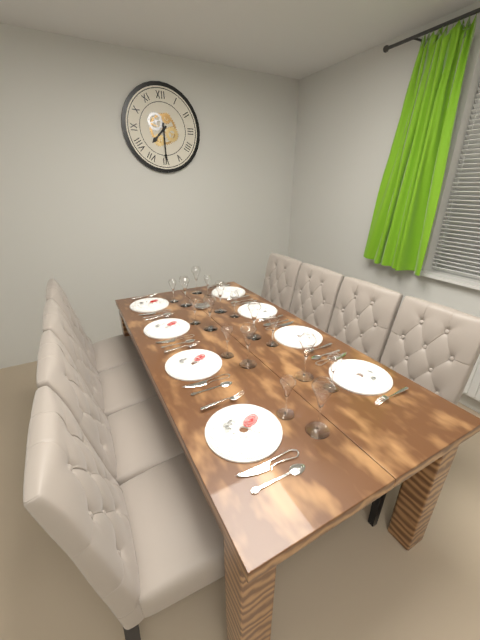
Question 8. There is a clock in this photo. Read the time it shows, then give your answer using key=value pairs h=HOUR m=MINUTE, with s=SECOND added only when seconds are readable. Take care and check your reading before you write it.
h=7 m=30
